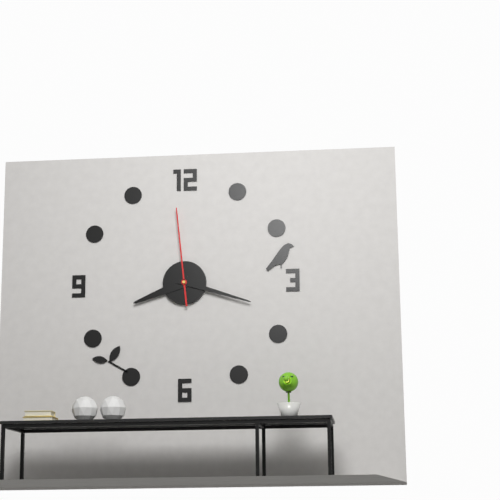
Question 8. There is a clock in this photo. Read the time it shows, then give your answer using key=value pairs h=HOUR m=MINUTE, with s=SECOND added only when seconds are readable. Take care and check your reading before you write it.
h=8 m=18 s=59
